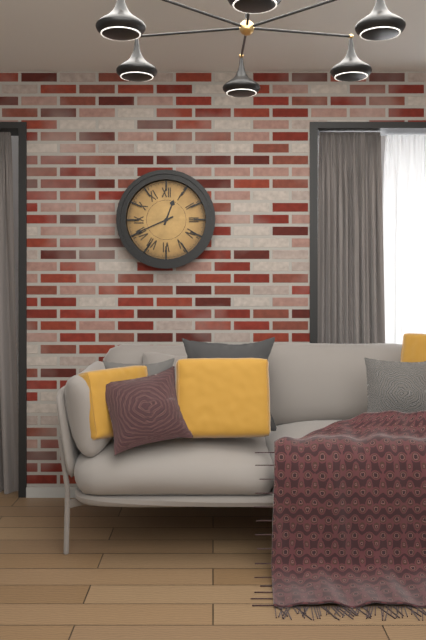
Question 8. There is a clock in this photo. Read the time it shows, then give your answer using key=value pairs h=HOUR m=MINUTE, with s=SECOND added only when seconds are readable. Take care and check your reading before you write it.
h=12 m=41
